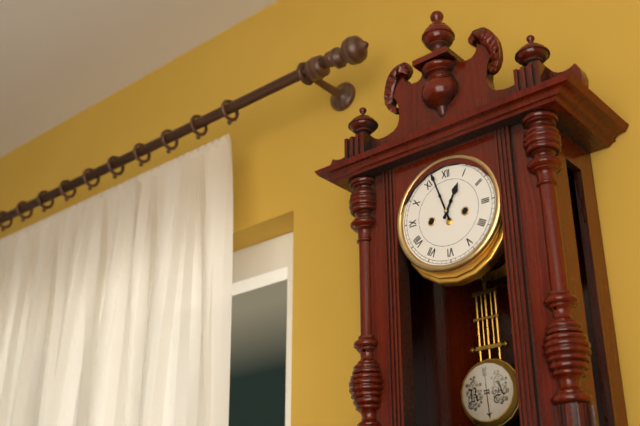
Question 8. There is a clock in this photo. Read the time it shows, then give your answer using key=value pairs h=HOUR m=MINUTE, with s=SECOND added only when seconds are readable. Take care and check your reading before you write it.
h=12 m=57
